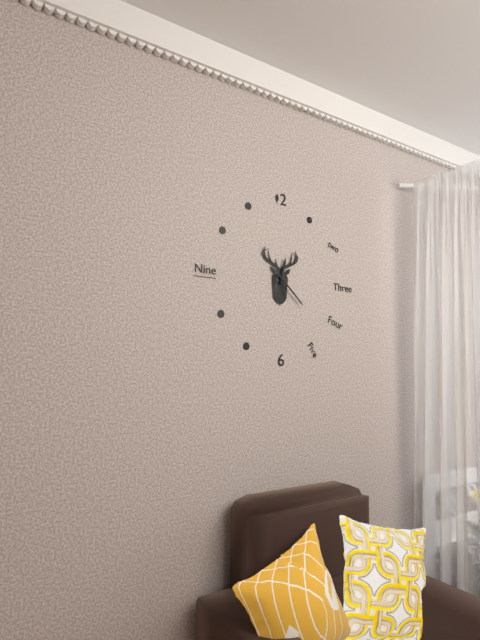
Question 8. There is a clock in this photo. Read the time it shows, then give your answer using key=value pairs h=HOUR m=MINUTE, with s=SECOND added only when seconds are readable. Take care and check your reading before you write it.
h=12 m=22
